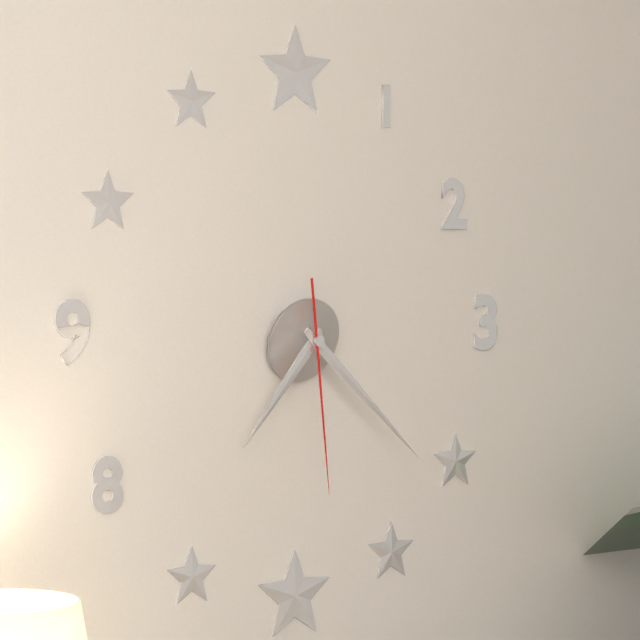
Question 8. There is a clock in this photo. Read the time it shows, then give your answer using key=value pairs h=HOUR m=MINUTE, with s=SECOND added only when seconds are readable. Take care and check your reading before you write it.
h=7 m=22 s=29
